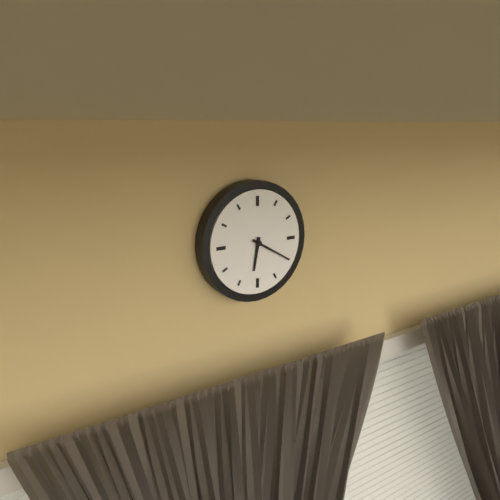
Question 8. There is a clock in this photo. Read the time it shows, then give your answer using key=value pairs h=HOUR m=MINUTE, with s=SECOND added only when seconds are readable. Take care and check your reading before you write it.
h=6 m=20
